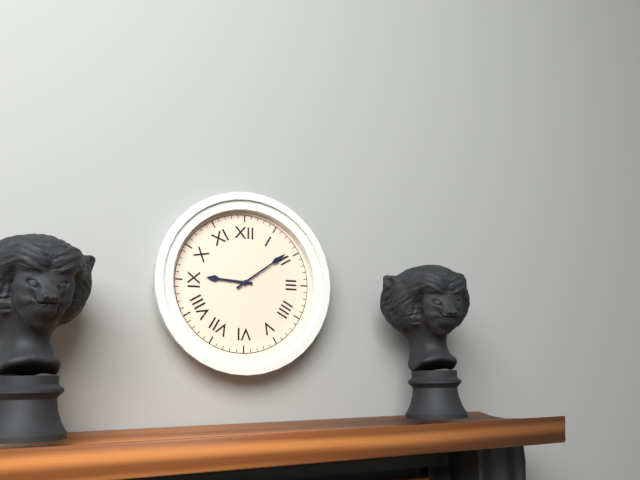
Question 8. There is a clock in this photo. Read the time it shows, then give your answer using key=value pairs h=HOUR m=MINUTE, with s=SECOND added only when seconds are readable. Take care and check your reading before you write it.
h=9 m=9
